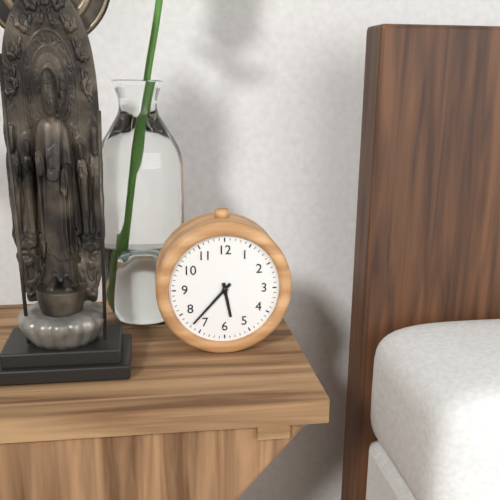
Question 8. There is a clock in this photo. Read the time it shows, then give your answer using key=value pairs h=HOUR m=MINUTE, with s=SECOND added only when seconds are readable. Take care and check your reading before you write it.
h=5 m=37
